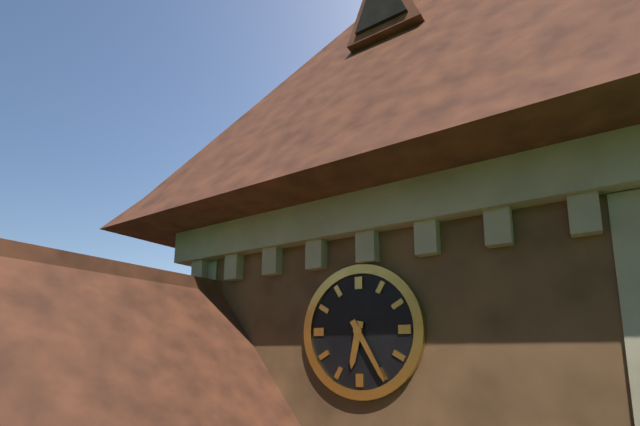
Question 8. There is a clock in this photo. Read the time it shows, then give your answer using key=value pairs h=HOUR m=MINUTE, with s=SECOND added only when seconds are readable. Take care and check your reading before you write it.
h=6 m=25
